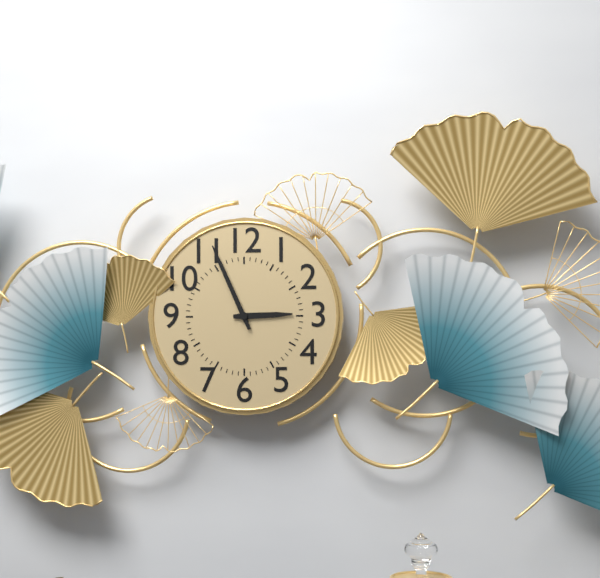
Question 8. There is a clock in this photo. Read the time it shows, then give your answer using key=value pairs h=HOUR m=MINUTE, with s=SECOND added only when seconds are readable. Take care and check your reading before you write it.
h=2 m=56
